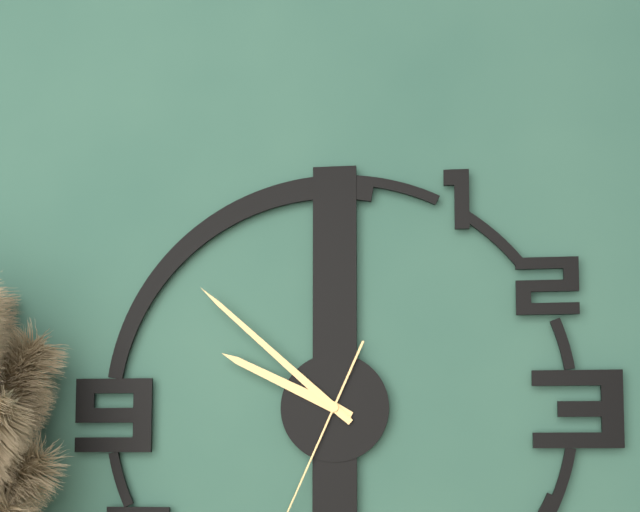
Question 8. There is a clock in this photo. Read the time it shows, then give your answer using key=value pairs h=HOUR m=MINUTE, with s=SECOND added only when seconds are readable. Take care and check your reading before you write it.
h=9 m=52
